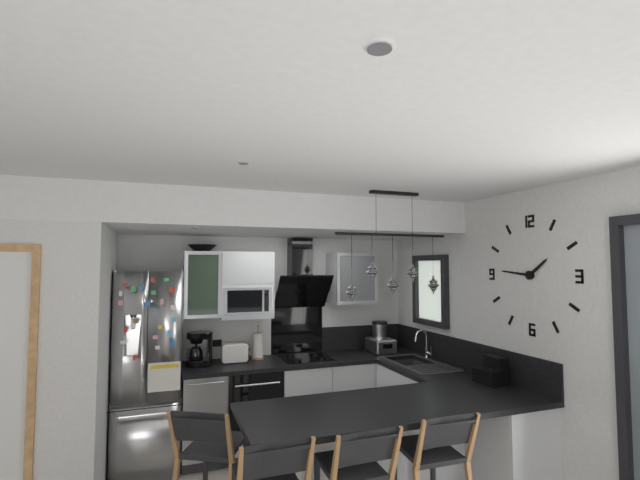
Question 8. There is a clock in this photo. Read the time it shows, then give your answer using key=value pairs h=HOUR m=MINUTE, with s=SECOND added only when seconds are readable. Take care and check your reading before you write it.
h=1 m=46
